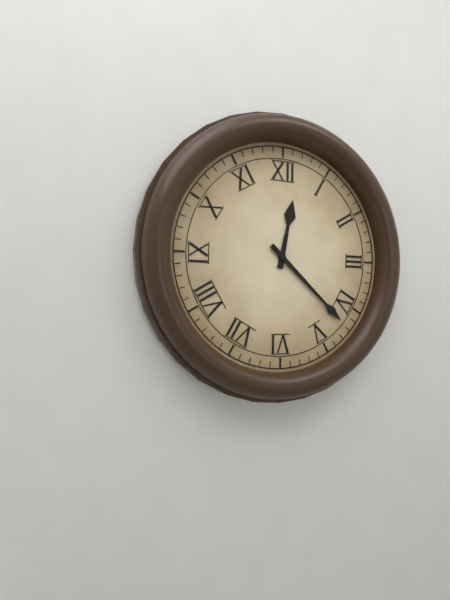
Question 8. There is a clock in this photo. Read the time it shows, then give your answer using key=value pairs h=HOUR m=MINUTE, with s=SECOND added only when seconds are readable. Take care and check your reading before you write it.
h=12 m=22
